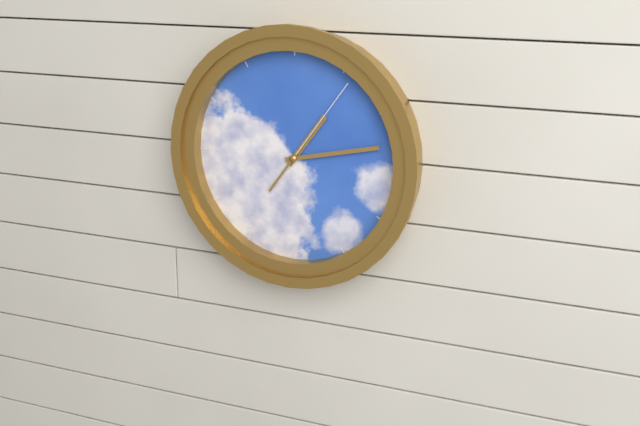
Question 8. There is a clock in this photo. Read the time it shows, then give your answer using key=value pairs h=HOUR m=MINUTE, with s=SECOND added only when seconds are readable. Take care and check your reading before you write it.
h=1 m=13 s=6
